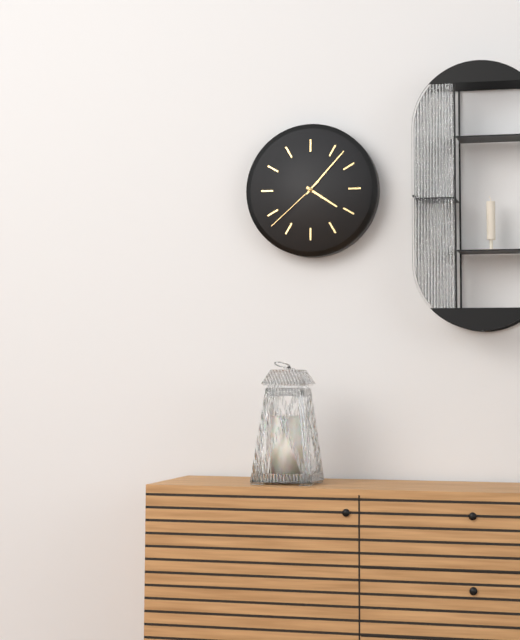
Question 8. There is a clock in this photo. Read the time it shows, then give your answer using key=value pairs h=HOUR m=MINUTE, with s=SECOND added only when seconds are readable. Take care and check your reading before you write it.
h=4 m=7 s=38
